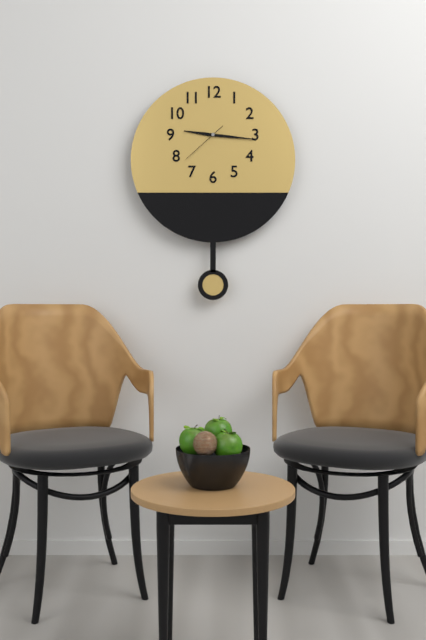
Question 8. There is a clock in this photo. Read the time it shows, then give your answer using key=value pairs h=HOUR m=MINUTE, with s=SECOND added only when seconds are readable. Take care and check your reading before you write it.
h=9 m=16
